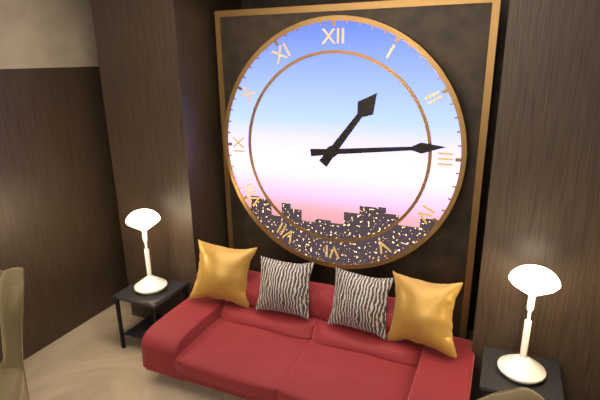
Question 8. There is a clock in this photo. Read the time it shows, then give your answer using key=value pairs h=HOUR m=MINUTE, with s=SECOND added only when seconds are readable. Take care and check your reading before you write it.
h=1 m=14
